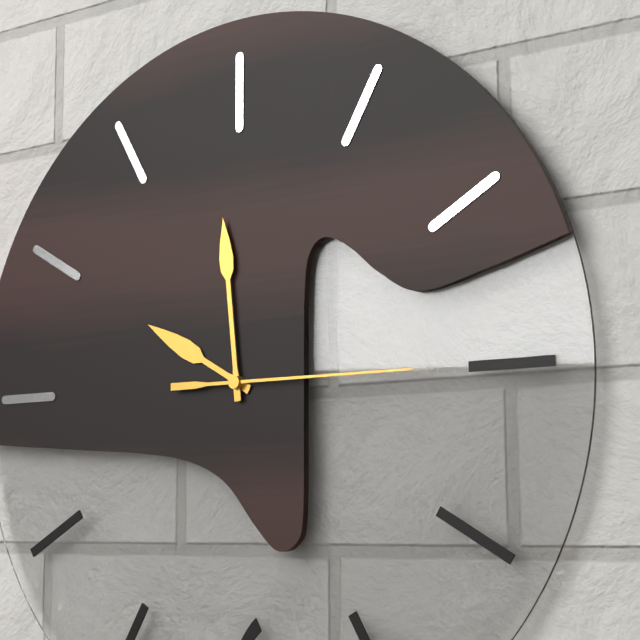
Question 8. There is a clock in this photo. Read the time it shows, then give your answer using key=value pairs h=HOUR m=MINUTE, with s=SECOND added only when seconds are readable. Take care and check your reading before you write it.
h=9 m=59 s=15
